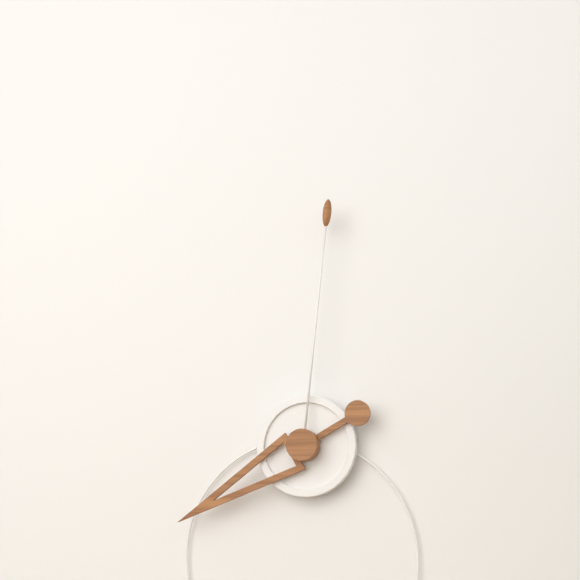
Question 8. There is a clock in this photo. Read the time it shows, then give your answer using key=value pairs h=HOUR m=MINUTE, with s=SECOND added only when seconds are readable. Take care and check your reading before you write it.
h=8 m=1
